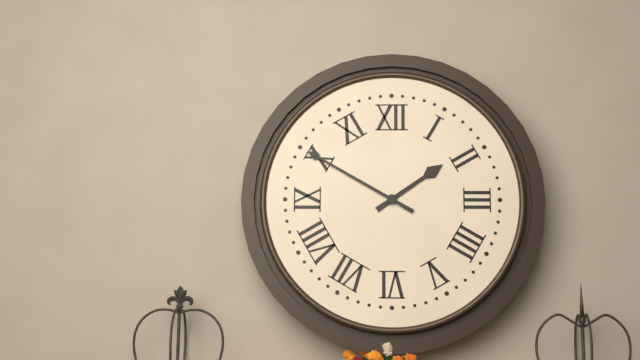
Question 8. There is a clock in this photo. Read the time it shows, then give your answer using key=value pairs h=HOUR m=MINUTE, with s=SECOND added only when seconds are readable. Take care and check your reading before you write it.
h=1 m=50
